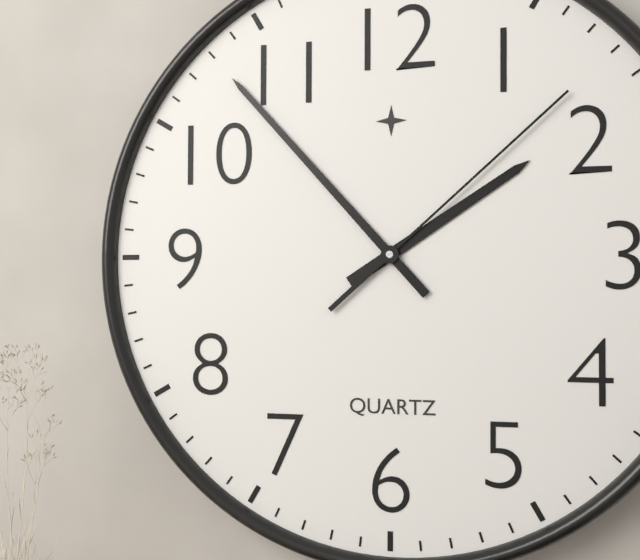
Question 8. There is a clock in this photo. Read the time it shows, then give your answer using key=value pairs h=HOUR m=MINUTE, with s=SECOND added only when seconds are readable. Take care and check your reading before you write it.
h=1 m=53 s=8
